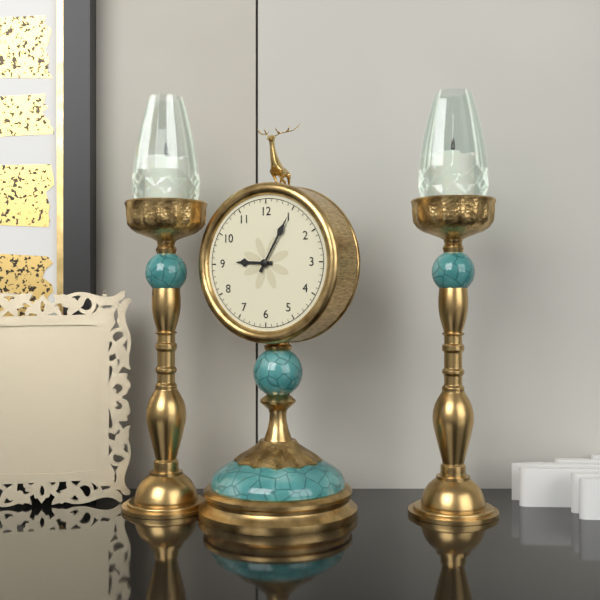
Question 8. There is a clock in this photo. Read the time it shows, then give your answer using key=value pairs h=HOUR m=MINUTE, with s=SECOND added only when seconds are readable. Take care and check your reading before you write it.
h=9 m=5
